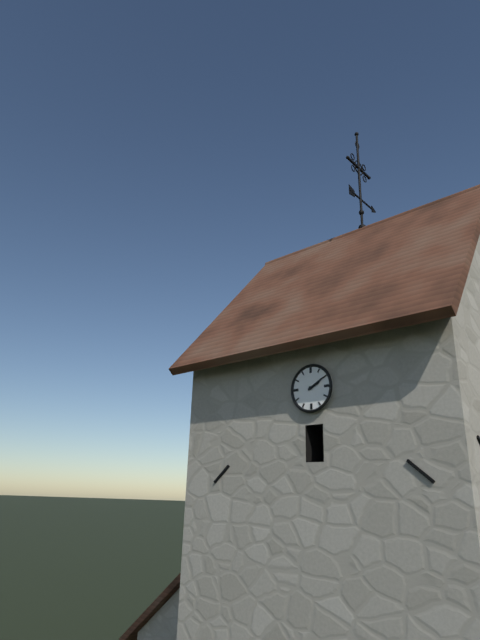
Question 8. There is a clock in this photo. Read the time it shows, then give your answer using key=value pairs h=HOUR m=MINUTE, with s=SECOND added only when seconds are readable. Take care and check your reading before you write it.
h=2 m=10
